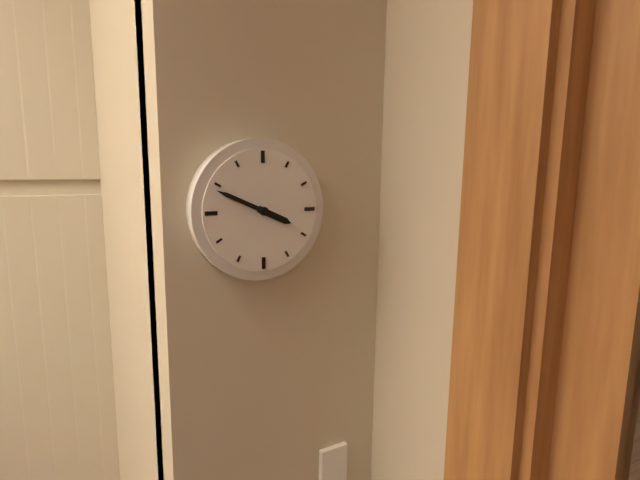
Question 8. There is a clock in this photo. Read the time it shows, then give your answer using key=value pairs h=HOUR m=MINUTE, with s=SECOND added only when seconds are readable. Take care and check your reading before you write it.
h=3 m=49
